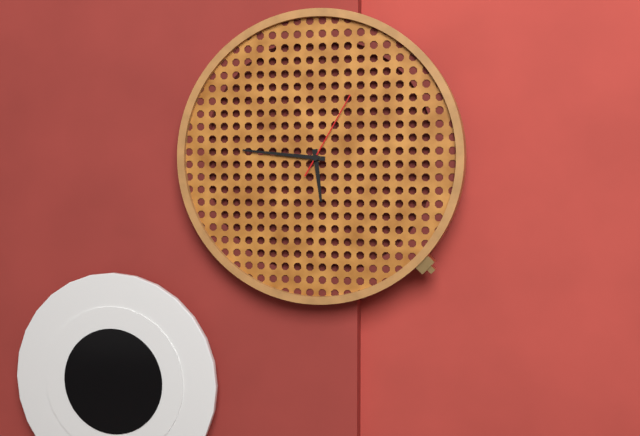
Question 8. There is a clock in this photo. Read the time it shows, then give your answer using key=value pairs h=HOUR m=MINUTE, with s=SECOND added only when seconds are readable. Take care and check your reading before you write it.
h=5 m=46 s=5
